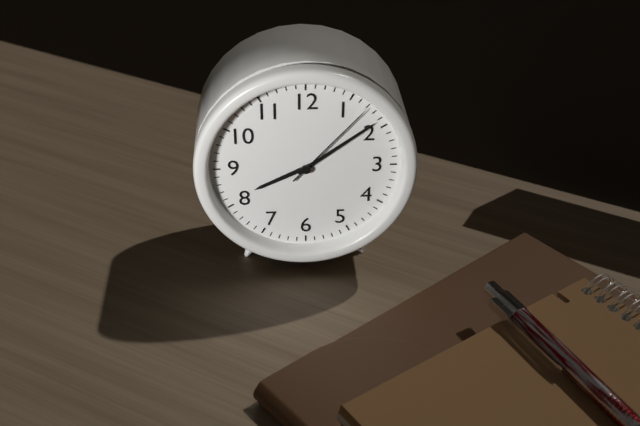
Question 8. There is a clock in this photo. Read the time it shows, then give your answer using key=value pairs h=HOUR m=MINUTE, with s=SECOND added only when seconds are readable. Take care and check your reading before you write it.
h=8 m=9 s=7
